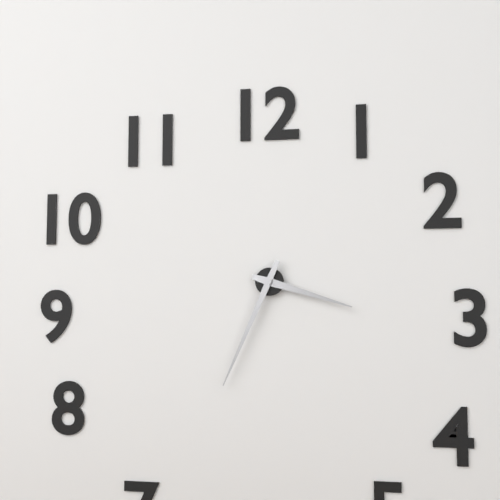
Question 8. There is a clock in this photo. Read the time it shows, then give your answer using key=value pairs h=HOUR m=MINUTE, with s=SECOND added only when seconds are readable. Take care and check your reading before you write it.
h=3 m=34
